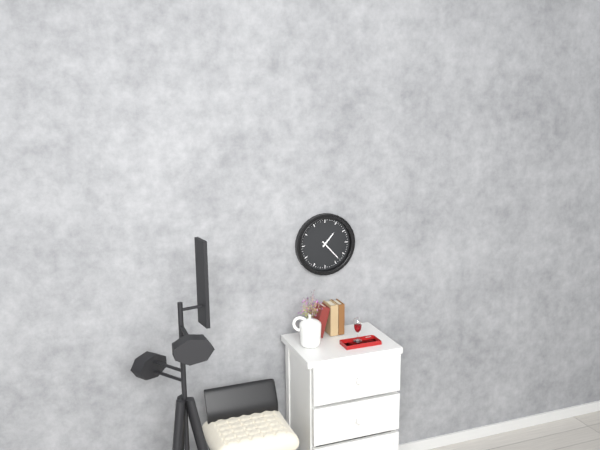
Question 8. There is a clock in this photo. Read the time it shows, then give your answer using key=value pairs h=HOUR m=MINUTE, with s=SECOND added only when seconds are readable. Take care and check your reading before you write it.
h=1 m=23
